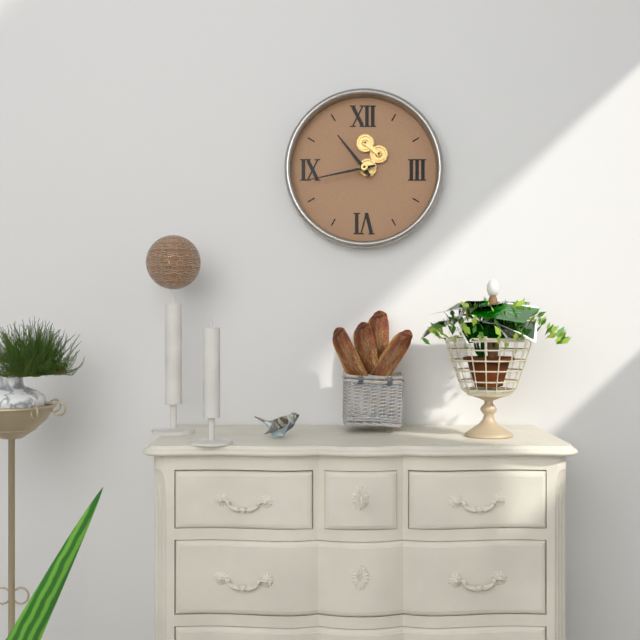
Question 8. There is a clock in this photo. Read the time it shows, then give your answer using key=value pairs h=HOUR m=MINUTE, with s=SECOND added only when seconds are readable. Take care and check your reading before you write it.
h=10 m=43
